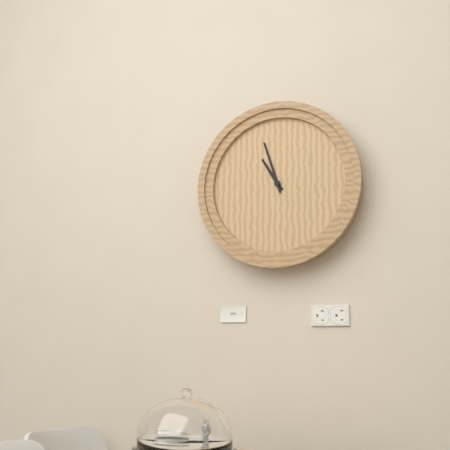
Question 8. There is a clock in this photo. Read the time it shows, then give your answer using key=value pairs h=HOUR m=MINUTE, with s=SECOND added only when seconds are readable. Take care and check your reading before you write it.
h=10 m=57
